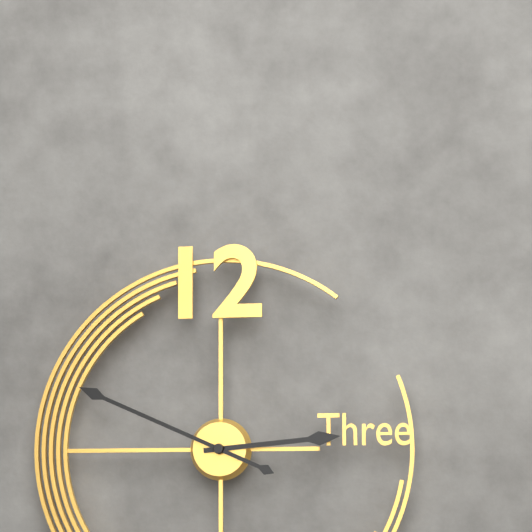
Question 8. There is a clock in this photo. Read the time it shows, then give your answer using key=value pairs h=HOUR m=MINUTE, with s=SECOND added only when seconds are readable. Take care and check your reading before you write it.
h=2 m=49
